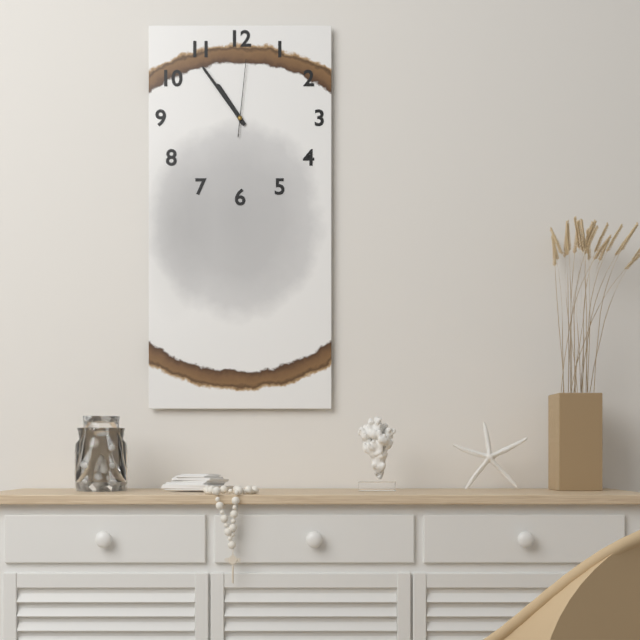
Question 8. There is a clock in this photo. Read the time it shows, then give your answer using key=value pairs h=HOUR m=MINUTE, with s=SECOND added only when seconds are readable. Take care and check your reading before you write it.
h=10 m=54 s=1
